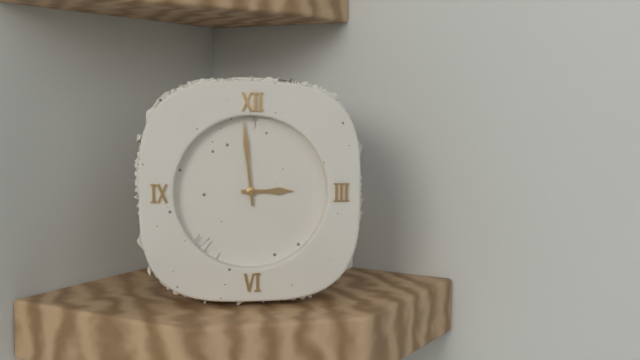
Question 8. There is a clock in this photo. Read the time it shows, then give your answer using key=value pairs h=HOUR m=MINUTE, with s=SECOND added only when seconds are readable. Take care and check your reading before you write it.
h=2 m=59
